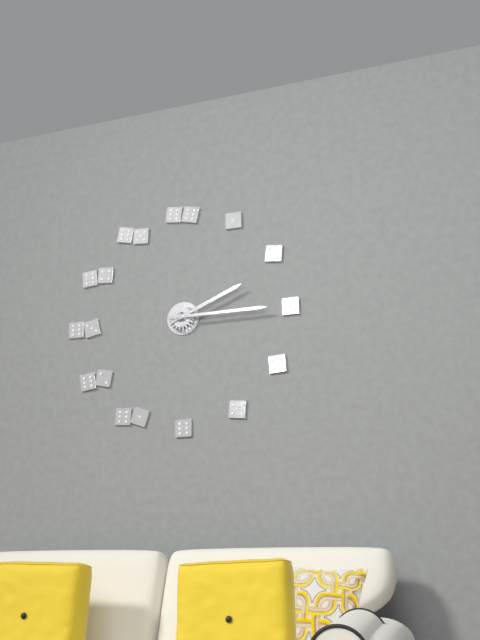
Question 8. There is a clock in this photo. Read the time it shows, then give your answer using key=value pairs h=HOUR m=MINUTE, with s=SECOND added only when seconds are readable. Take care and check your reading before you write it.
h=2 m=15
